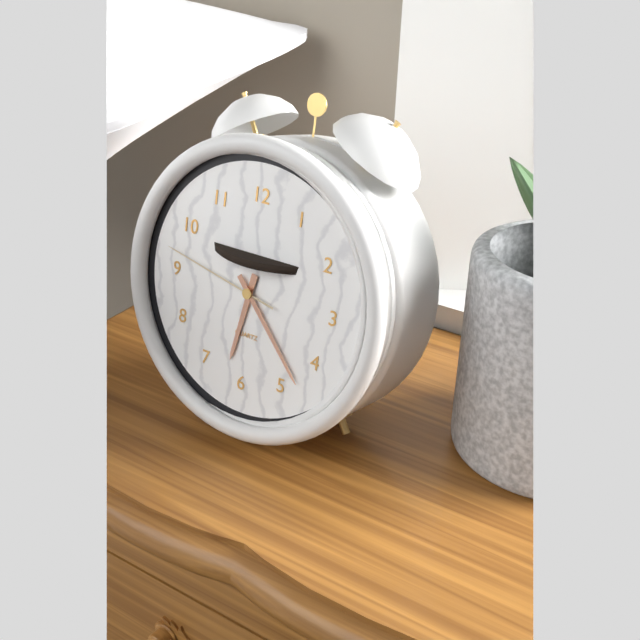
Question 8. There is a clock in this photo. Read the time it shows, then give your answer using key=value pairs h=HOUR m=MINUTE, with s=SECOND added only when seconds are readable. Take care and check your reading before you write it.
h=6 m=23 s=47
